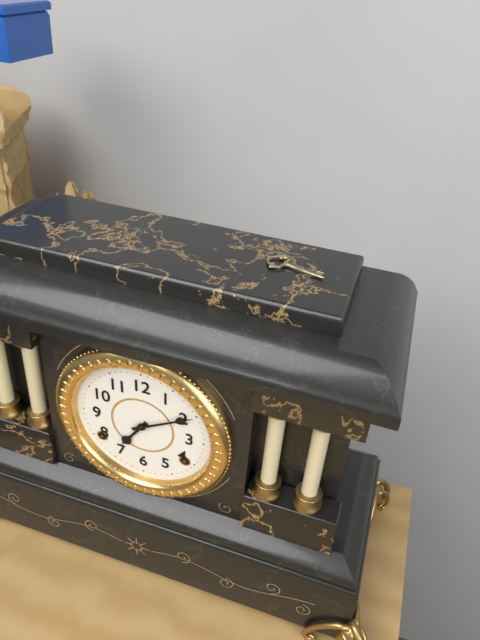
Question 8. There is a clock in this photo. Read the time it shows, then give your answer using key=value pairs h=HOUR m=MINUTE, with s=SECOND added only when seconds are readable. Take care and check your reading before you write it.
h=7 m=10
